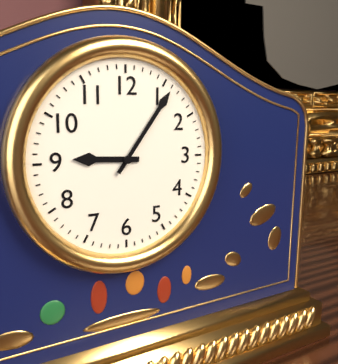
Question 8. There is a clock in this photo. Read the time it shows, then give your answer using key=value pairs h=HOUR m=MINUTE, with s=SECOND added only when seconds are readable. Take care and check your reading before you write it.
h=9 m=6
